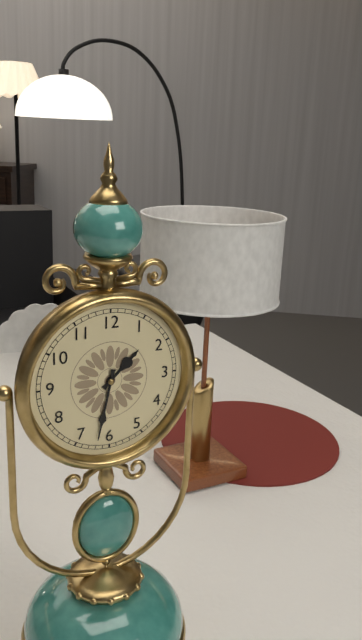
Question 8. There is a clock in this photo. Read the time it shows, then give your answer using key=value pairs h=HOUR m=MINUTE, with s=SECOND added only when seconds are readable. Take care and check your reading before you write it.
h=1 m=32
